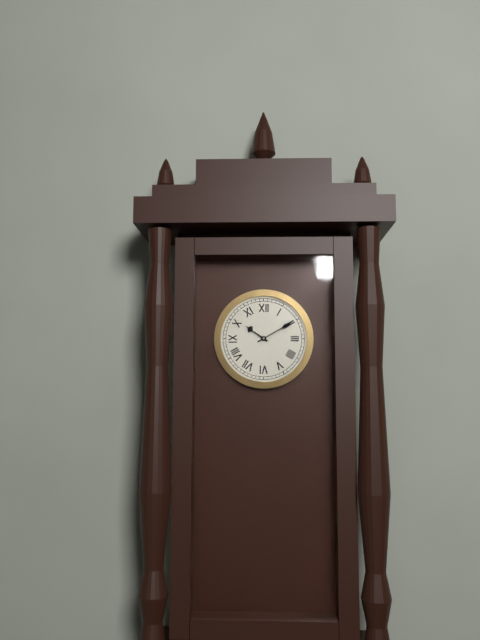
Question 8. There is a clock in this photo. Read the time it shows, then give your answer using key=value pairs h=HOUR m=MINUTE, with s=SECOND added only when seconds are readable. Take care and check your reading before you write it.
h=10 m=10
